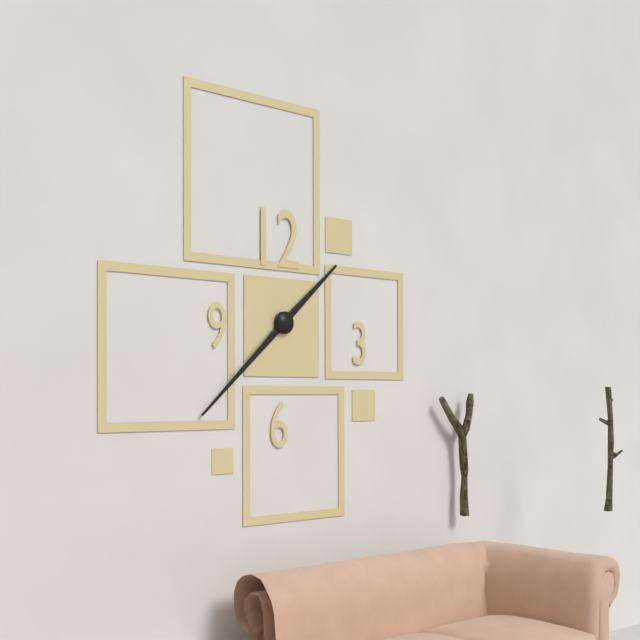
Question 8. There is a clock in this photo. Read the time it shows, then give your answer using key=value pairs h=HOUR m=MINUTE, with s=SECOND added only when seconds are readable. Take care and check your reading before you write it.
h=1 m=38
